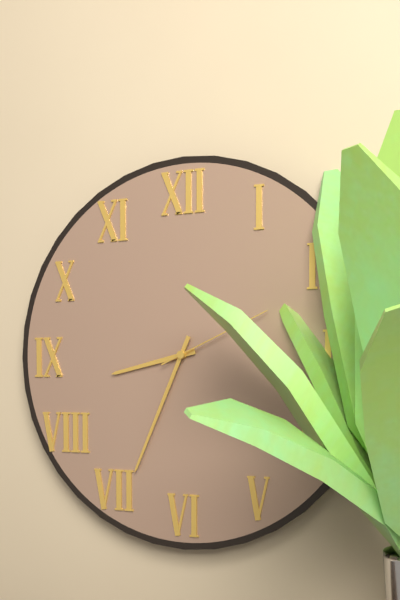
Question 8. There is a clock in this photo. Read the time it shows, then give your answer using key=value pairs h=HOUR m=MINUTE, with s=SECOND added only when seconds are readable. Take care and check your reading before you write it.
h=8 m=34 s=11
